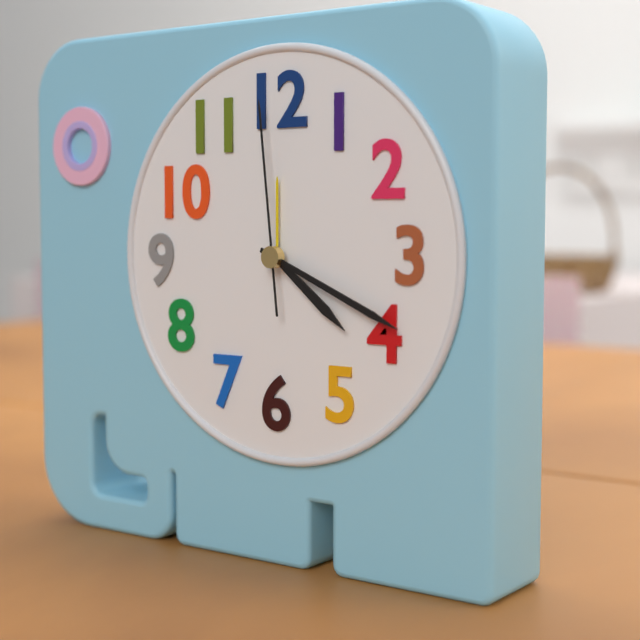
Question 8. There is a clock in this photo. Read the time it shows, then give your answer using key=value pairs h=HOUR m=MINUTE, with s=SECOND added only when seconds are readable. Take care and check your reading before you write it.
h=4 m=19 s=59
